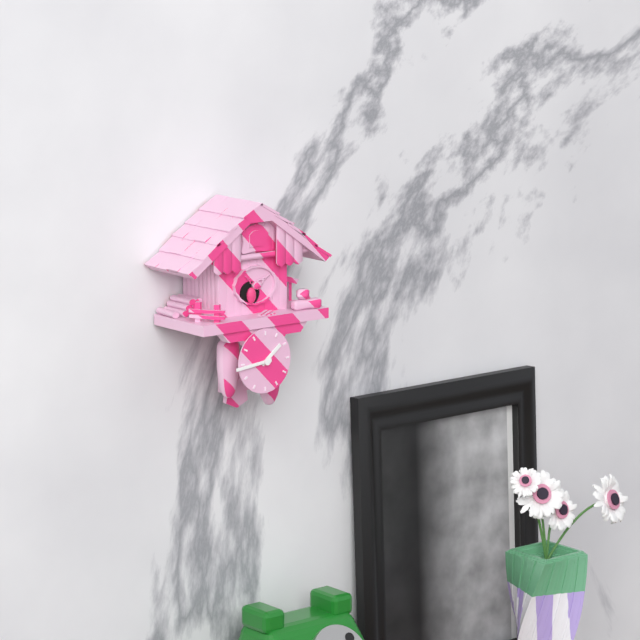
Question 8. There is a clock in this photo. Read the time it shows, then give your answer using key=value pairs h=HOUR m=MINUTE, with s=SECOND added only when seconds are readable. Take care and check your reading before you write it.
h=1 m=44
